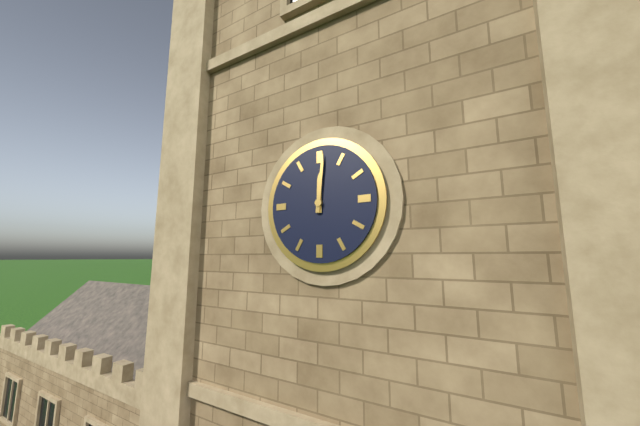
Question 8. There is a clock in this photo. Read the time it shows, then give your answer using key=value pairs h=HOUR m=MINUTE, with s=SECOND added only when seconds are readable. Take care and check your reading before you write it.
h=12 m=1
